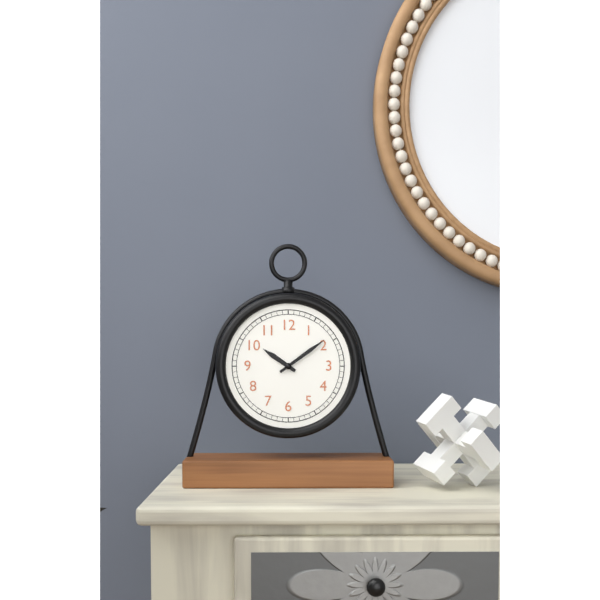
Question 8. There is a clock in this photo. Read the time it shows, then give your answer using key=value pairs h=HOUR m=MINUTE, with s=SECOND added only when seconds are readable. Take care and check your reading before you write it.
h=10 m=9
